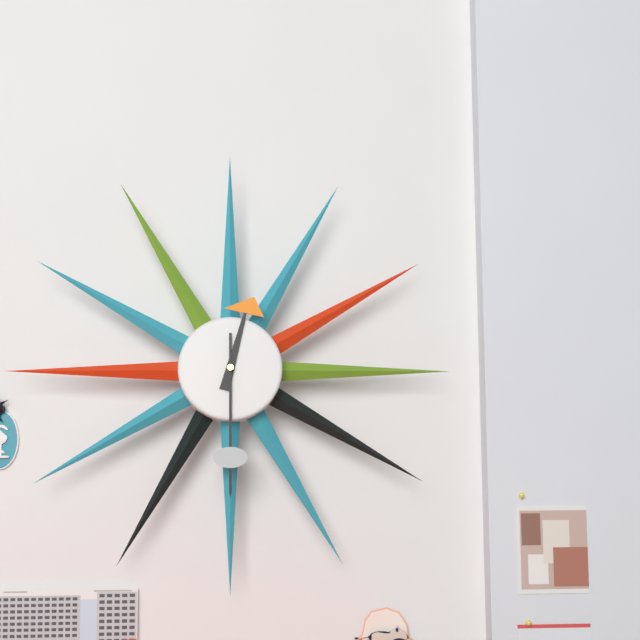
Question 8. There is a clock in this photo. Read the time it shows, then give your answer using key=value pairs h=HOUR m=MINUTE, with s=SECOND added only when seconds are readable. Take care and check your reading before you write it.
h=12 m=30
